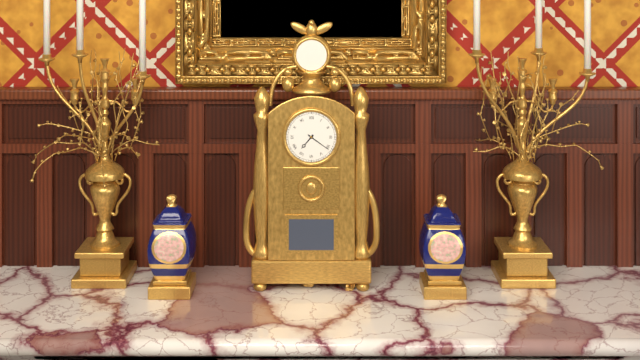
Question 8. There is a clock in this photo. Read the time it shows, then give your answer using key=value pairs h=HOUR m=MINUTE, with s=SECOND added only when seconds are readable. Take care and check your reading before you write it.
h=7 m=21
